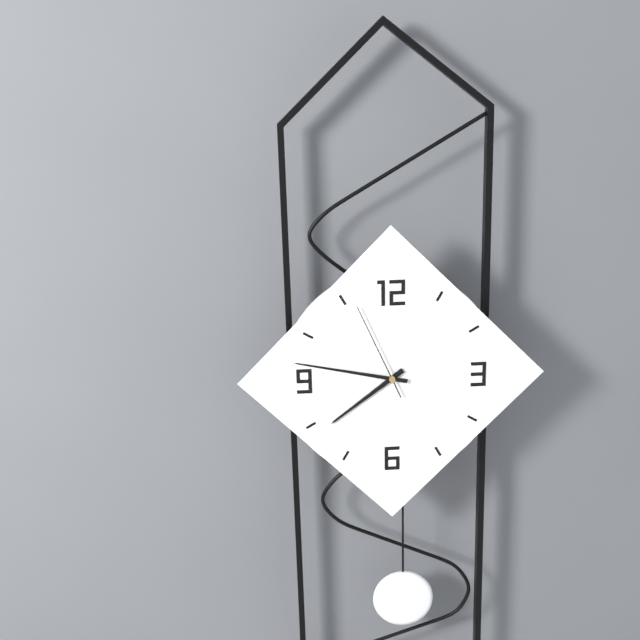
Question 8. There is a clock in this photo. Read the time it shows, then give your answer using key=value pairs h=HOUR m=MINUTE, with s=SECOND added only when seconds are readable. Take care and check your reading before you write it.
h=7 m=47 s=56
